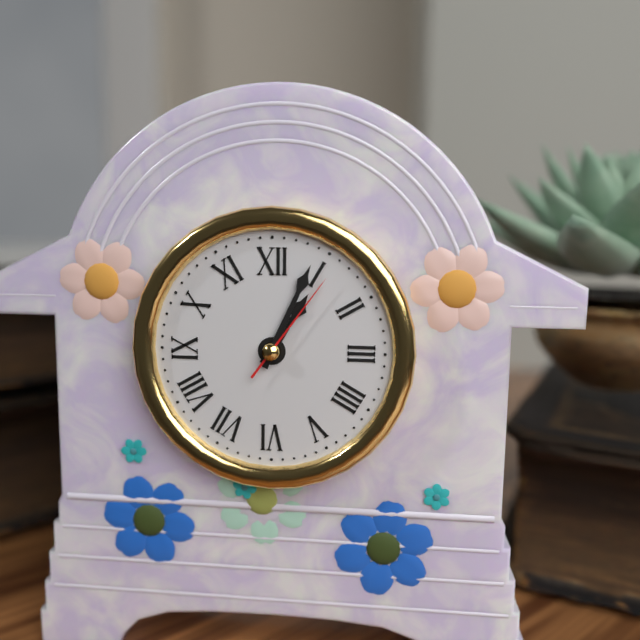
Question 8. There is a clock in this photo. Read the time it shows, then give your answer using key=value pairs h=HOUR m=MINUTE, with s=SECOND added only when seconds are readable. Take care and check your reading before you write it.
h=1 m=4 s=6
